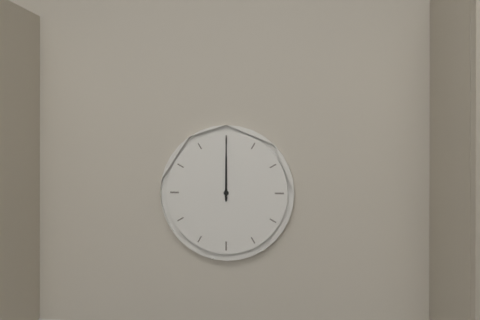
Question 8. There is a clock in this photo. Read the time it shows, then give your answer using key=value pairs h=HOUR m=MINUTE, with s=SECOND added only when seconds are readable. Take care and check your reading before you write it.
h=12 m=0
